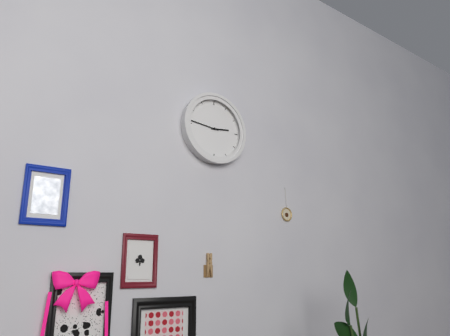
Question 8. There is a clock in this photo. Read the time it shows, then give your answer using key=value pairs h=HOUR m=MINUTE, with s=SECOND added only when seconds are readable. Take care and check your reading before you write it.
h=2 m=46
